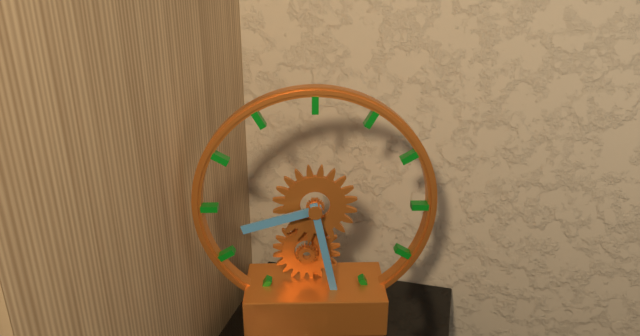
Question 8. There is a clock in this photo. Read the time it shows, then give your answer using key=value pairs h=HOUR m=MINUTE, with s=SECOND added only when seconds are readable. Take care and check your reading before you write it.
h=8 m=28
